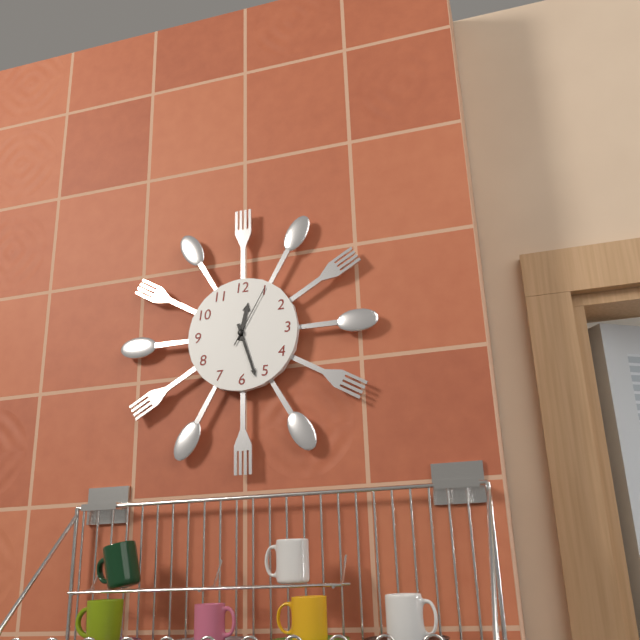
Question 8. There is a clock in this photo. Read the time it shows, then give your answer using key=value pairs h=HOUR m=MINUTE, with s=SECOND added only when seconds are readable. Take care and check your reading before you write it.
h=12 m=27 s=5
